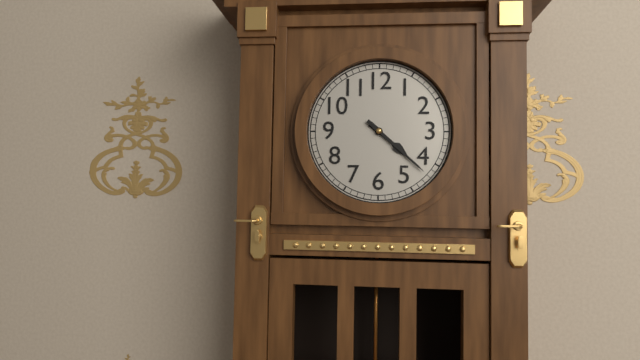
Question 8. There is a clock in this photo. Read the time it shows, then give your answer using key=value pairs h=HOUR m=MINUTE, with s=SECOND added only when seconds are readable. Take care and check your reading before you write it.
h=4 m=22
